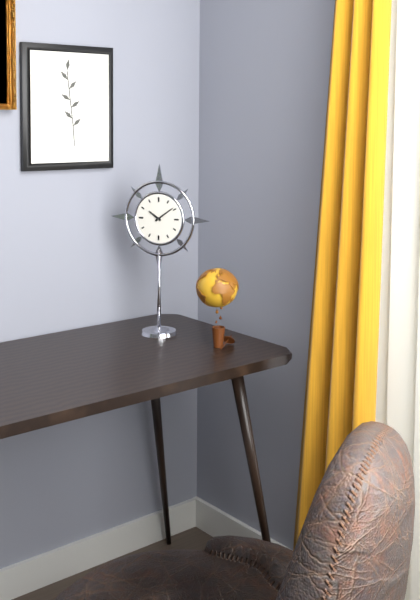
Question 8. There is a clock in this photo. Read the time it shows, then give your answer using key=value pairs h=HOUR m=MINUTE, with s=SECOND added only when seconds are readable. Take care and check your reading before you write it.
h=10 m=9
